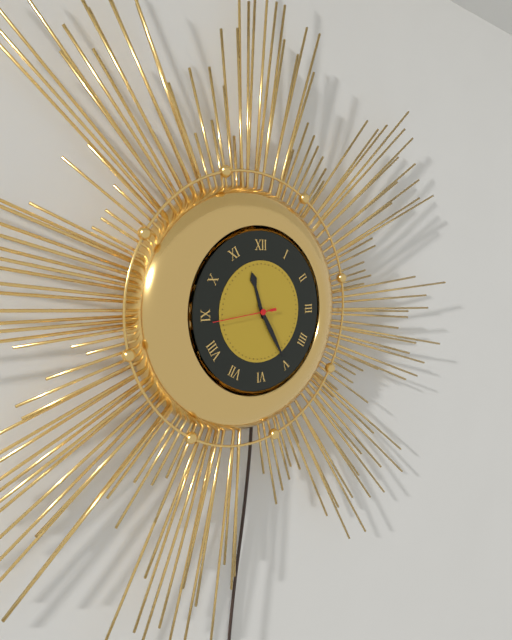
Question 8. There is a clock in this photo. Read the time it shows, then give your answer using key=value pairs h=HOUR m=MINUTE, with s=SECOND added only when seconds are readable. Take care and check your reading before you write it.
h=11 m=25 s=44
